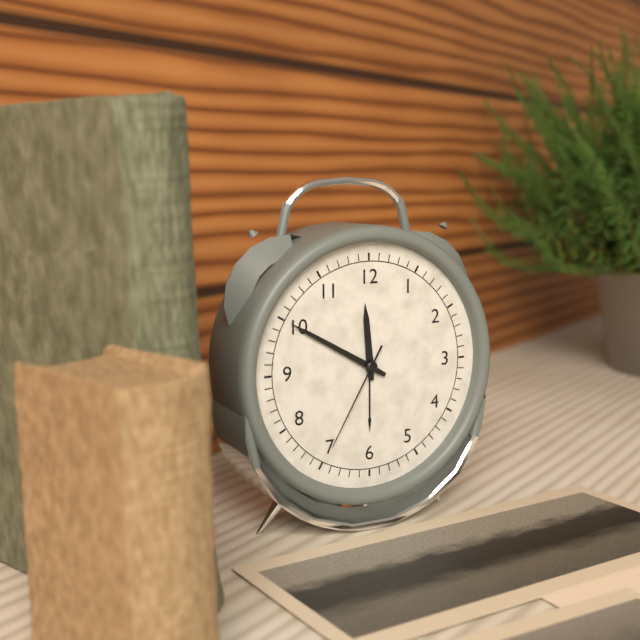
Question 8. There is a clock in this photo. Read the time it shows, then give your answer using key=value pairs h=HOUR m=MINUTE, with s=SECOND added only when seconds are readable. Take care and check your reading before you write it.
h=11 m=50 s=35
